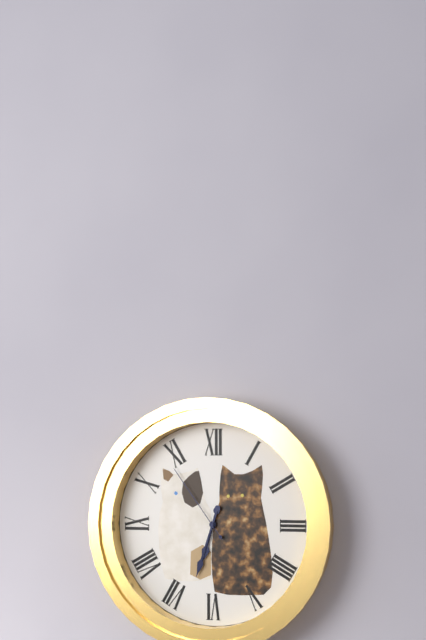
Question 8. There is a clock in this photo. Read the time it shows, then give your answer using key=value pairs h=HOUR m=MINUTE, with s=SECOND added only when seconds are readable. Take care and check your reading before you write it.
h=6 m=33 s=54
